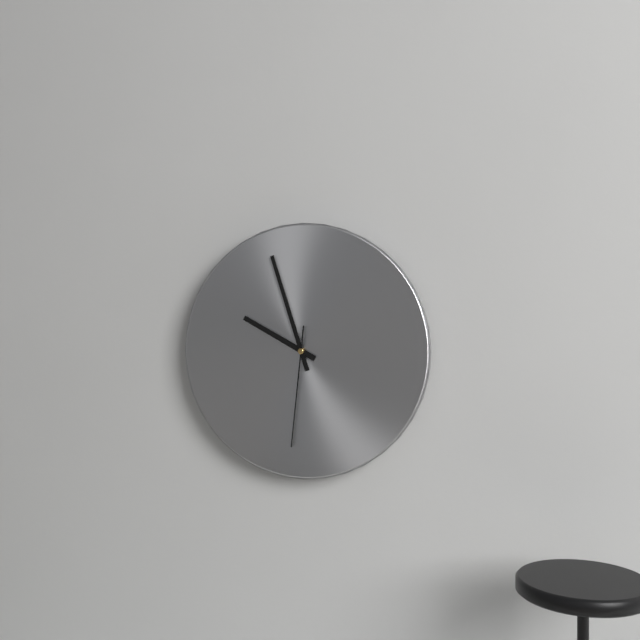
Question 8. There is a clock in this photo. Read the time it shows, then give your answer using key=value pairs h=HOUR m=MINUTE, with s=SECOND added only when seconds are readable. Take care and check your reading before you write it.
h=9 m=57 s=31
